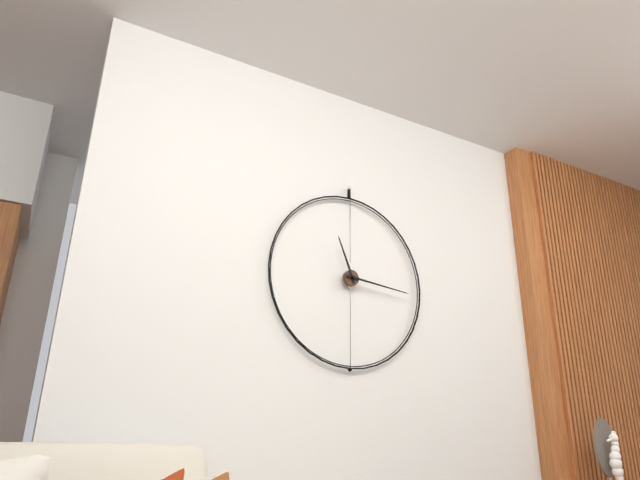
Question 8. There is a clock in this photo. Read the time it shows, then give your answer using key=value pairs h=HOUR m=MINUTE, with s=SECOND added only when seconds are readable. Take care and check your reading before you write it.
h=11 m=16
